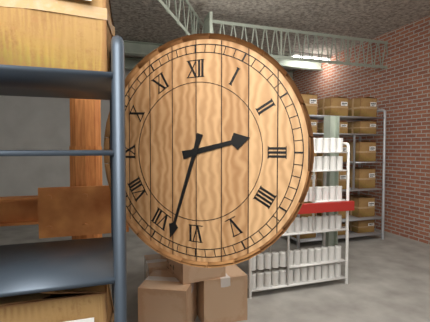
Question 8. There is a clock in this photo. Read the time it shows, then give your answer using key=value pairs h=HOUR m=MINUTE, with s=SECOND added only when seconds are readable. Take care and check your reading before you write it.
h=2 m=33
